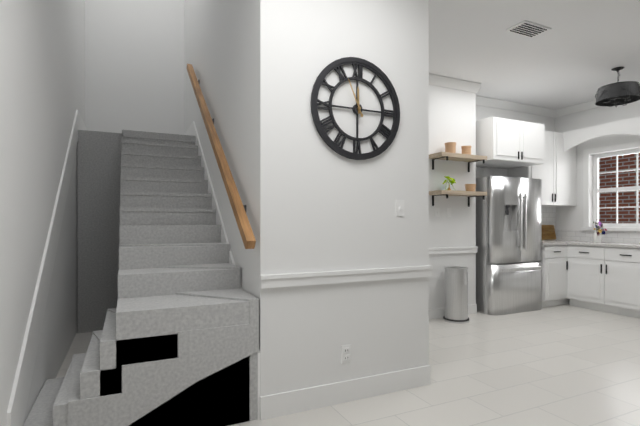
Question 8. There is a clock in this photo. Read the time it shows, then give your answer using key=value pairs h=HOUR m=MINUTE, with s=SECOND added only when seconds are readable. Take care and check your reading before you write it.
h=11 m=56
